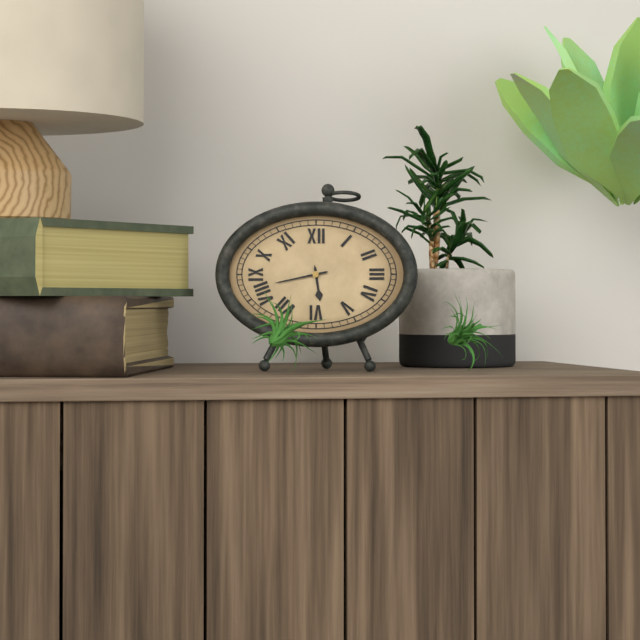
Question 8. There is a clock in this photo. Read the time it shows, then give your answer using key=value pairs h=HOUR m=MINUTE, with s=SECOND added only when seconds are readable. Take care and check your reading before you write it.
h=5 m=43
